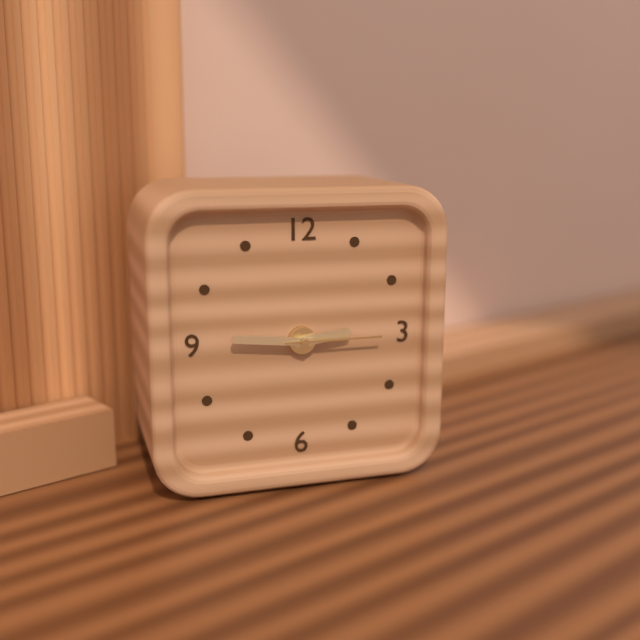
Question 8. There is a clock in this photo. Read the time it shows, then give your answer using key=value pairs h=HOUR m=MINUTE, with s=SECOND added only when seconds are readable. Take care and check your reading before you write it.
h=2 m=46 s=15
